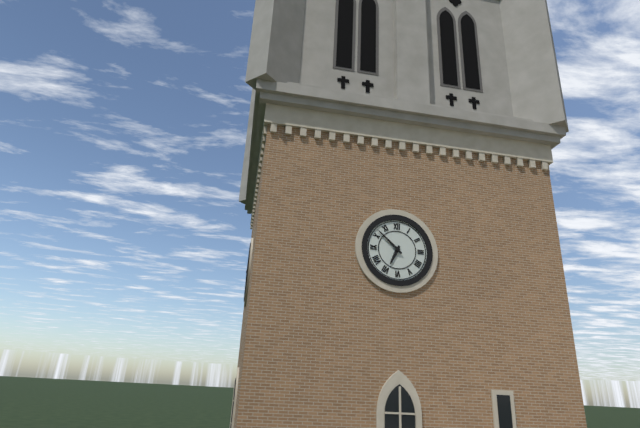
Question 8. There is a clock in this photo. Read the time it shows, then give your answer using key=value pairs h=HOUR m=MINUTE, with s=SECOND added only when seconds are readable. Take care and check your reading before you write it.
h=6 m=52
